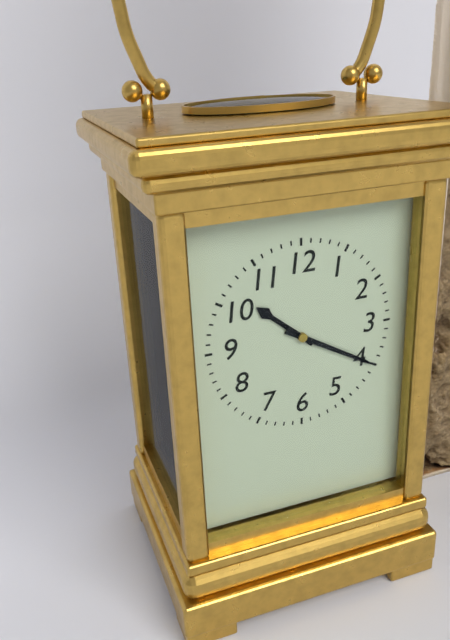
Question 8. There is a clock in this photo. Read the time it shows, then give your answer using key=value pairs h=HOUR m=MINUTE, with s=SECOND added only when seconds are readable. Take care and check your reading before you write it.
h=10 m=20
